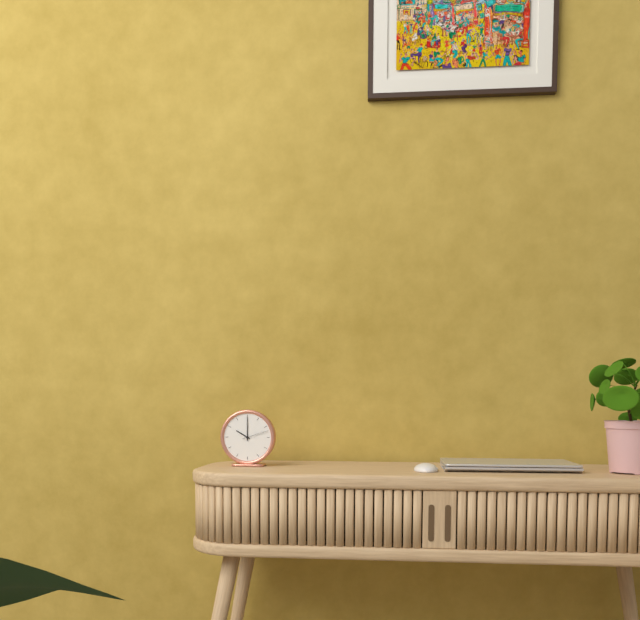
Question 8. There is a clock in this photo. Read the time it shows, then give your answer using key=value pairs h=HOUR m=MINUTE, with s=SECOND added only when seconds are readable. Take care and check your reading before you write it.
h=10 m=0
